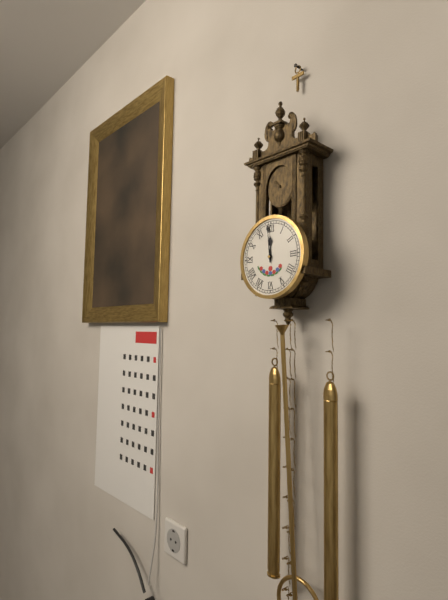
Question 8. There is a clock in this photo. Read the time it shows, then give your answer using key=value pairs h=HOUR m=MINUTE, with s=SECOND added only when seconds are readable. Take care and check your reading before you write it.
h=11 m=59
